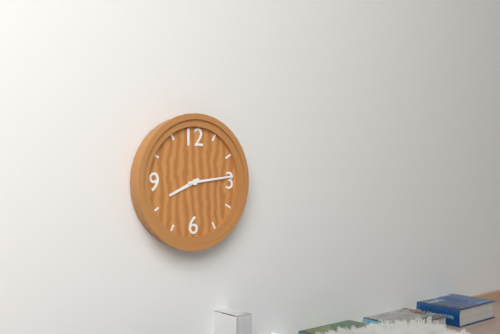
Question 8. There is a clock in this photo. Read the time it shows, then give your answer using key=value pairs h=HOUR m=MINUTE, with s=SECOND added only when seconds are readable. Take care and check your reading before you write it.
h=8 m=14
